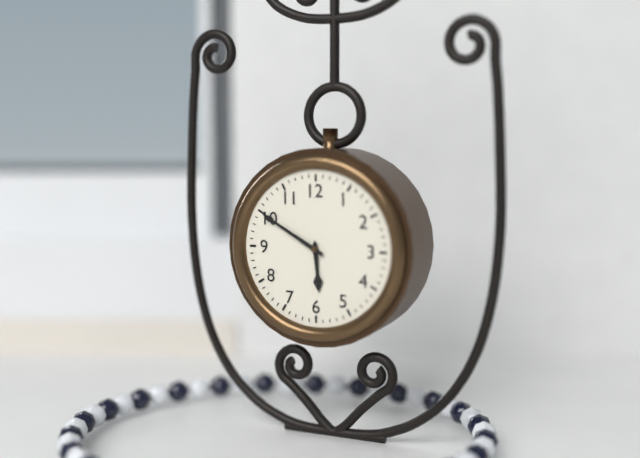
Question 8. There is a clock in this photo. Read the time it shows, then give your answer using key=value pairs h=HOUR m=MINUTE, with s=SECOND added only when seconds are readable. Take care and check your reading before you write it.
h=5 m=50
